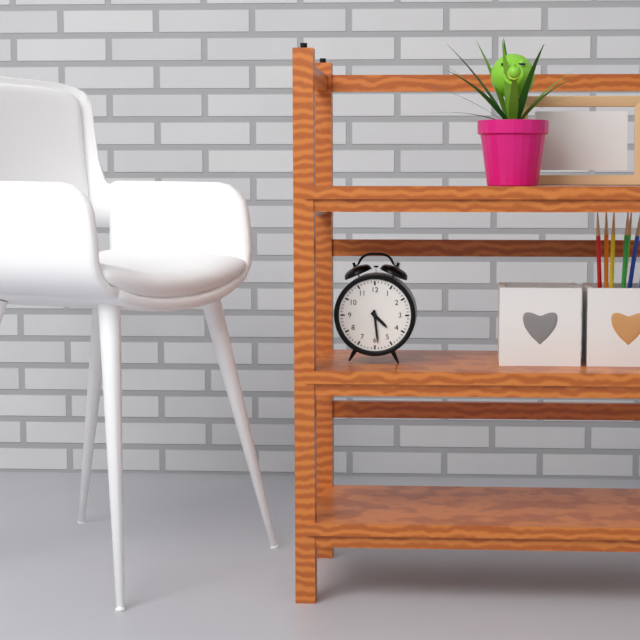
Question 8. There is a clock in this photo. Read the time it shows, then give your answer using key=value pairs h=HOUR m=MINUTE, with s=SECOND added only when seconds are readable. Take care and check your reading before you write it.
h=4 m=29
